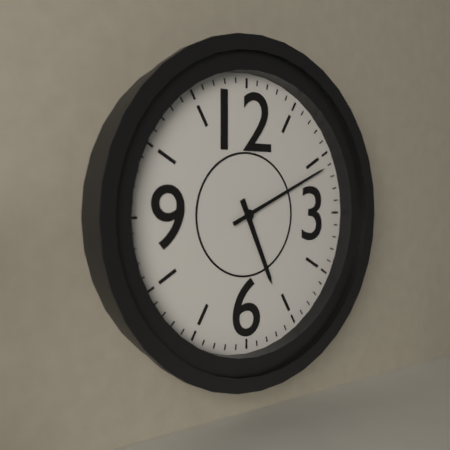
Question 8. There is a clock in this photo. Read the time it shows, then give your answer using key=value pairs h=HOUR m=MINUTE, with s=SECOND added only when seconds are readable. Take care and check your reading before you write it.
h=5 m=11
